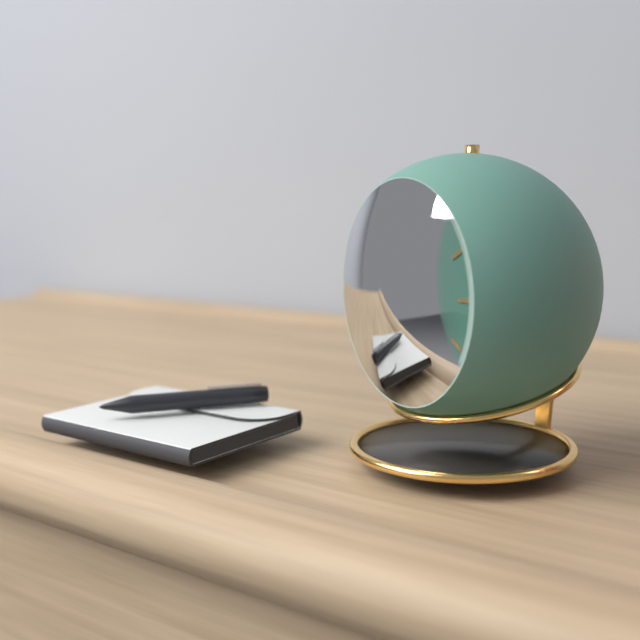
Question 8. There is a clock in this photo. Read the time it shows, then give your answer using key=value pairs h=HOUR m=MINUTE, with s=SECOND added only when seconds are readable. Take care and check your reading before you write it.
h=1 m=22 s=4
